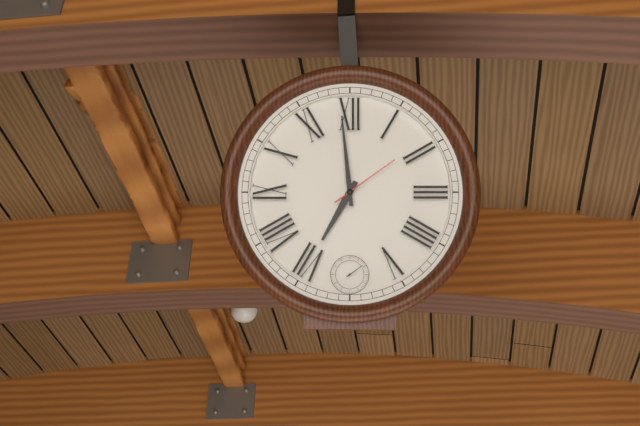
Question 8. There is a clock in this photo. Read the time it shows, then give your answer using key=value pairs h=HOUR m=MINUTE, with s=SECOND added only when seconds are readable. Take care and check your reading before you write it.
h=6 m=59 s=9
